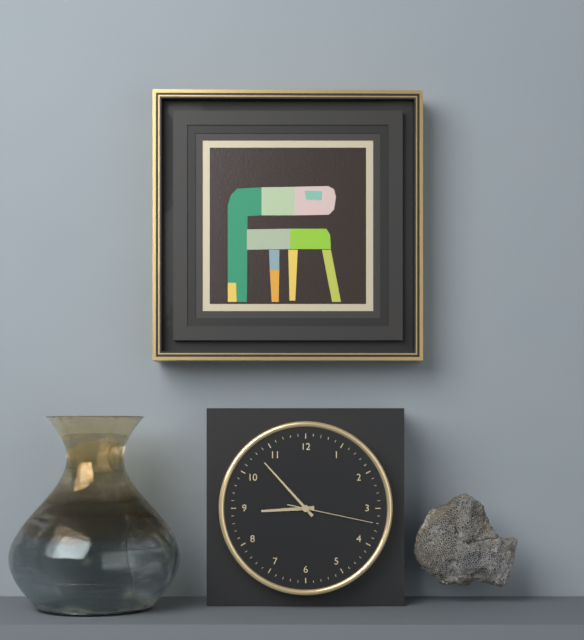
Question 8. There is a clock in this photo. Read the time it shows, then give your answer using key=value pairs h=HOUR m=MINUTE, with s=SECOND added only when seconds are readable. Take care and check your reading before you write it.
h=8 m=53 s=17
